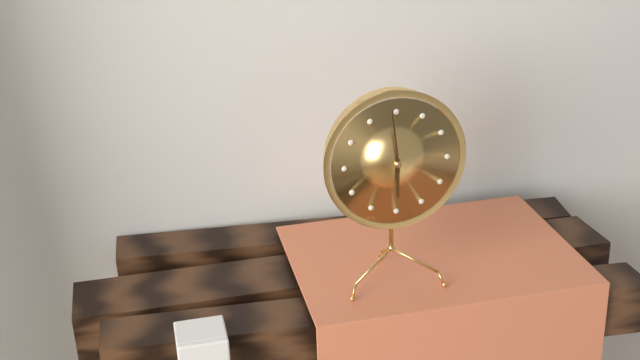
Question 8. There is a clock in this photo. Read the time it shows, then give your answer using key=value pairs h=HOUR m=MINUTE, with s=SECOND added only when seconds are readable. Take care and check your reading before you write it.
h=5 m=59
